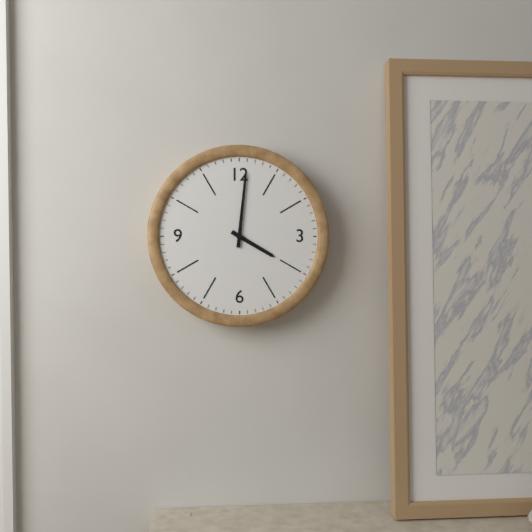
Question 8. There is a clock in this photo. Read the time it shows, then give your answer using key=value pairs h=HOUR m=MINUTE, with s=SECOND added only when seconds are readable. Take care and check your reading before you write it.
h=4 m=1
